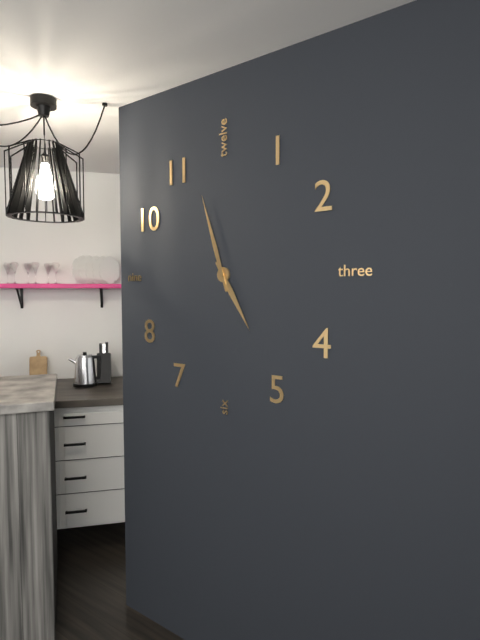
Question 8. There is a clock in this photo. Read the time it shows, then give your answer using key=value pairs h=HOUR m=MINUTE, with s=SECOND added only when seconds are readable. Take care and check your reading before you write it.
h=4 m=57
